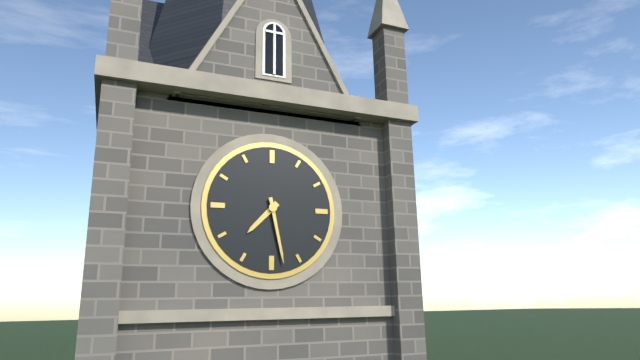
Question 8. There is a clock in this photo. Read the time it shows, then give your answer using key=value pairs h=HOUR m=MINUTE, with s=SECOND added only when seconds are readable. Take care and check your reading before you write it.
h=7 m=28
